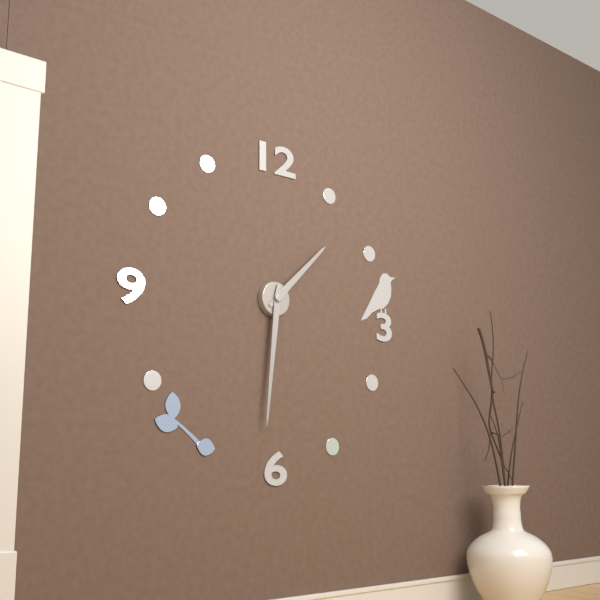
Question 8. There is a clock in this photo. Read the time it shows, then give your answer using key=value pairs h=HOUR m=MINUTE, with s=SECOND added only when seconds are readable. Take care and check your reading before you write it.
h=1 m=31
